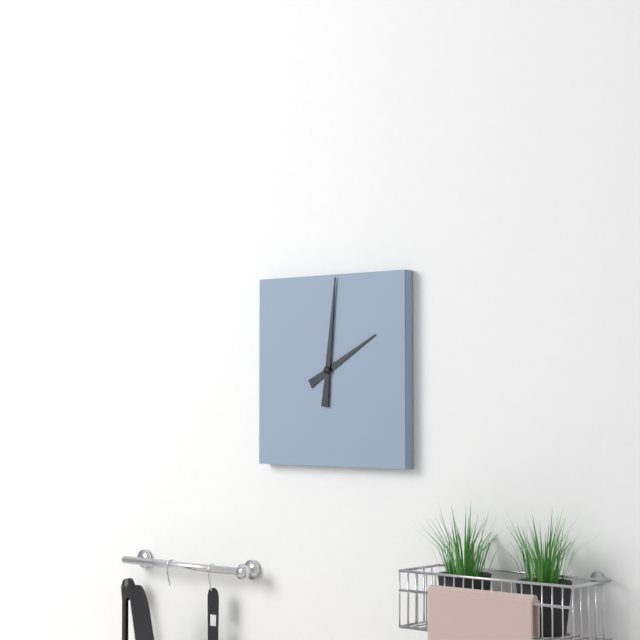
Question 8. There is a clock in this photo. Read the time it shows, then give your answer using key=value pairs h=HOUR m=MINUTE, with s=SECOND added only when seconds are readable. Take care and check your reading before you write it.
h=2 m=1
